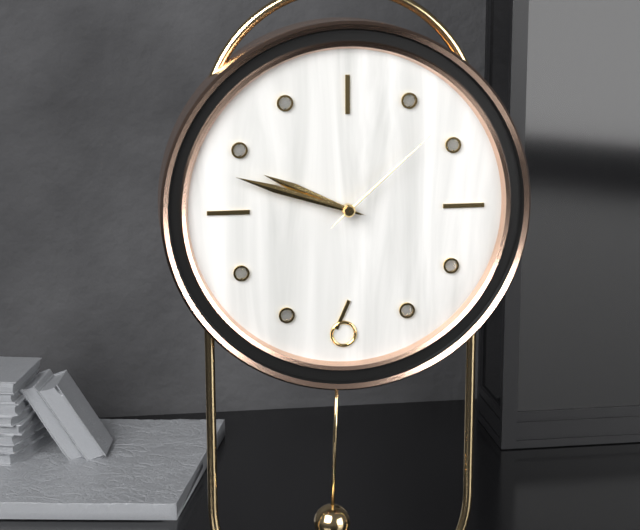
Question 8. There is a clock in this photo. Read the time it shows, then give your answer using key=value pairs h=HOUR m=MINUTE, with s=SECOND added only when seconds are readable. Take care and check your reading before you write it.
h=9 m=48 s=8
